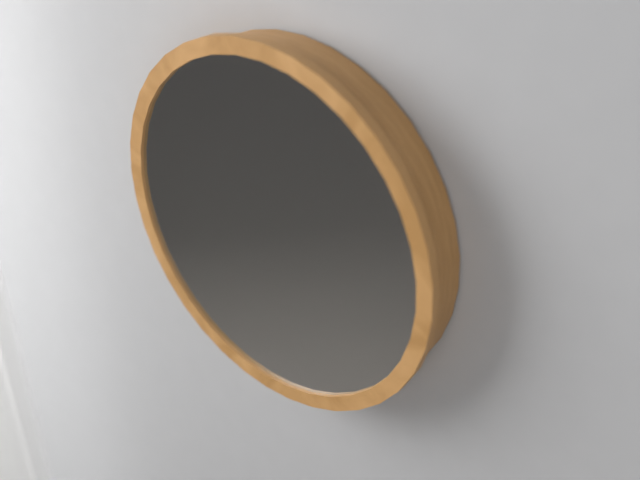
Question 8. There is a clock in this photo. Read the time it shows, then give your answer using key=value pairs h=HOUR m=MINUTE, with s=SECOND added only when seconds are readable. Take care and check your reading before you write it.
h=10 m=27
